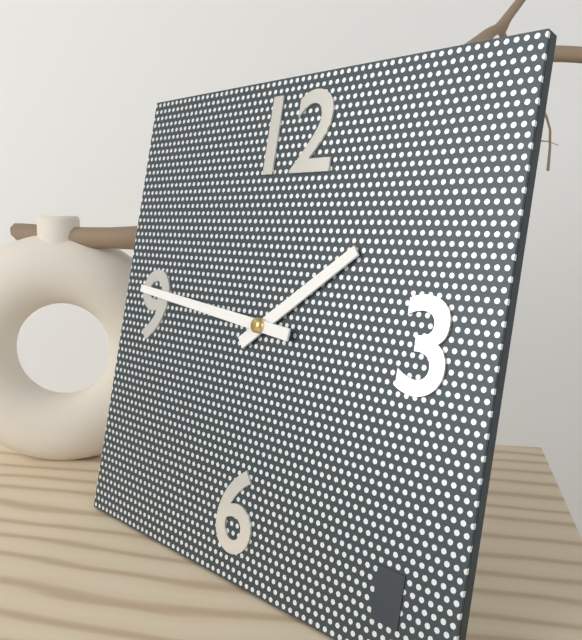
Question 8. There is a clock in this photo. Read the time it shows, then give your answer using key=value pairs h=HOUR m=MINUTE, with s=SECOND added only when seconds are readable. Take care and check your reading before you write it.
h=1 m=46
